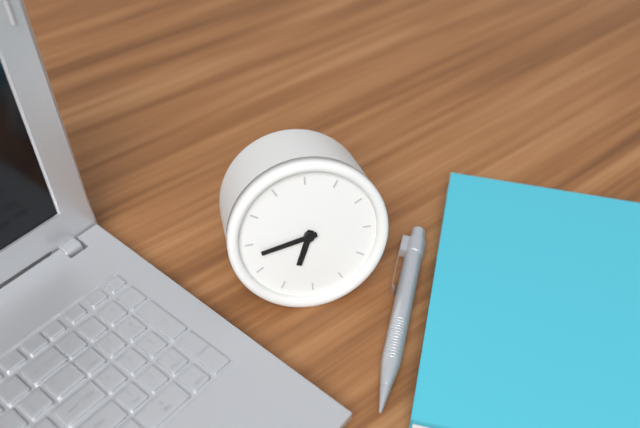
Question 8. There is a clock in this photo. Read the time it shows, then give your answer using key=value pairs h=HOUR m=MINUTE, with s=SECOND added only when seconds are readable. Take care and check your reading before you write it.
h=6 m=43
